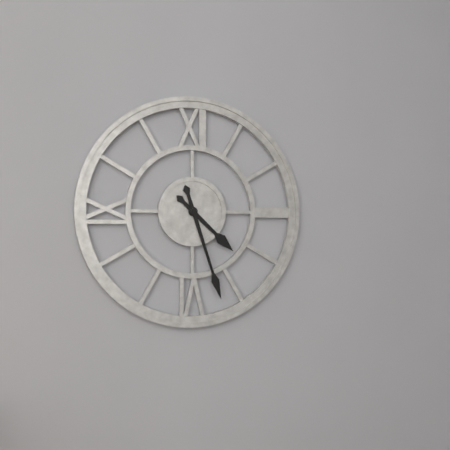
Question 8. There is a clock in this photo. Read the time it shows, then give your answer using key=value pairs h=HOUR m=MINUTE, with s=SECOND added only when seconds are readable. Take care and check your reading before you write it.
h=4 m=27
